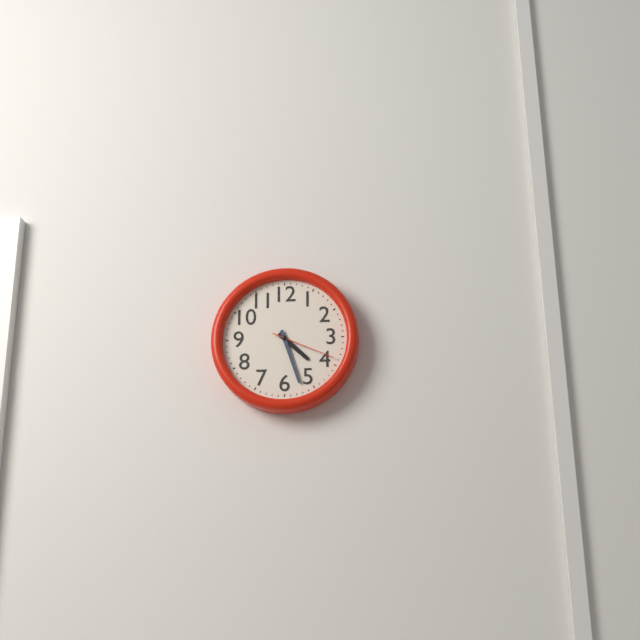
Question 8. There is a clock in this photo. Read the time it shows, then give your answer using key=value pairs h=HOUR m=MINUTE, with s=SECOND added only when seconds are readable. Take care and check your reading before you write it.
h=4 m=27 s=19
